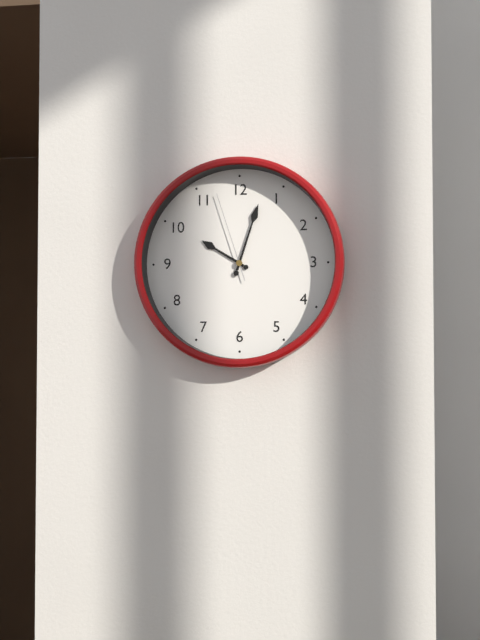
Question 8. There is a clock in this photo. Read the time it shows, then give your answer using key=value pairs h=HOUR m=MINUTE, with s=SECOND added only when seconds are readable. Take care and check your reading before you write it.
h=10 m=3 s=57
